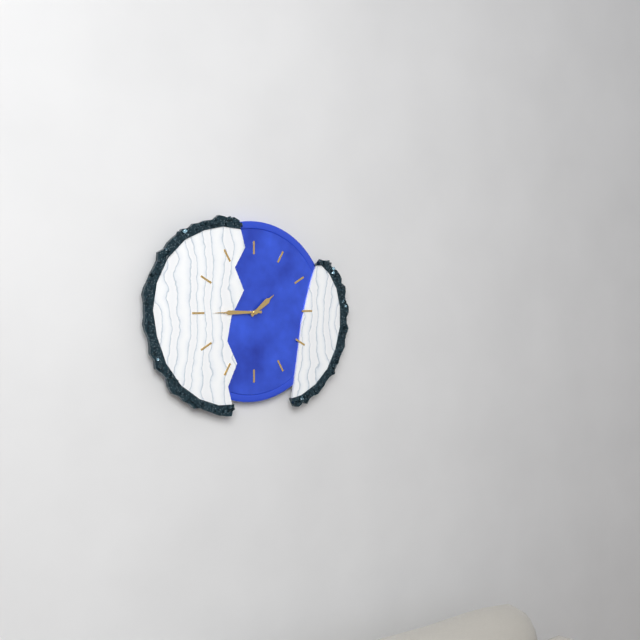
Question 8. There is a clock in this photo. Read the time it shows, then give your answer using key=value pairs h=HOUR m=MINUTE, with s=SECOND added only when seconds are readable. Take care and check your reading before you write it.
h=1 m=45
